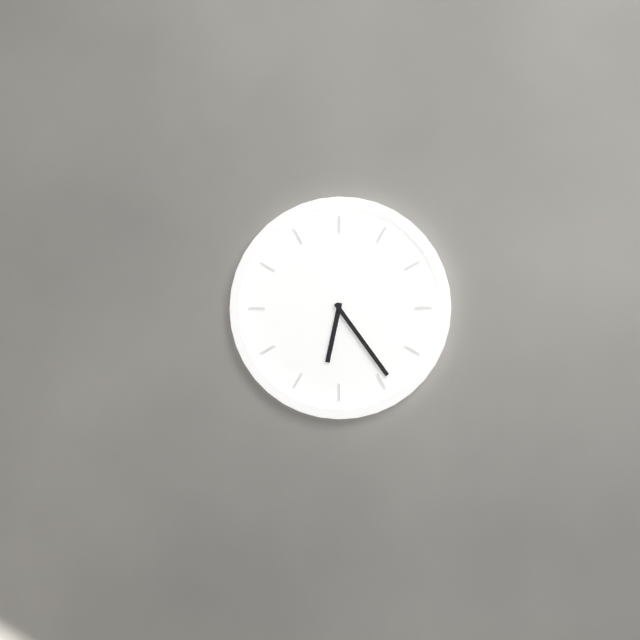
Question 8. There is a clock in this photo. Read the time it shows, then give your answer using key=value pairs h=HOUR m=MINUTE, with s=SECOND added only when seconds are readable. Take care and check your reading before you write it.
h=6 m=24
